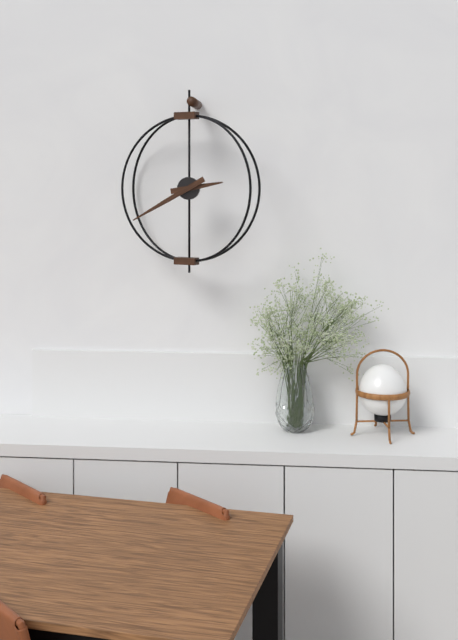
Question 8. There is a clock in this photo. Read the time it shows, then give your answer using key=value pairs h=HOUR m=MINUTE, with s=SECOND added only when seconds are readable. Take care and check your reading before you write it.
h=2 m=40
